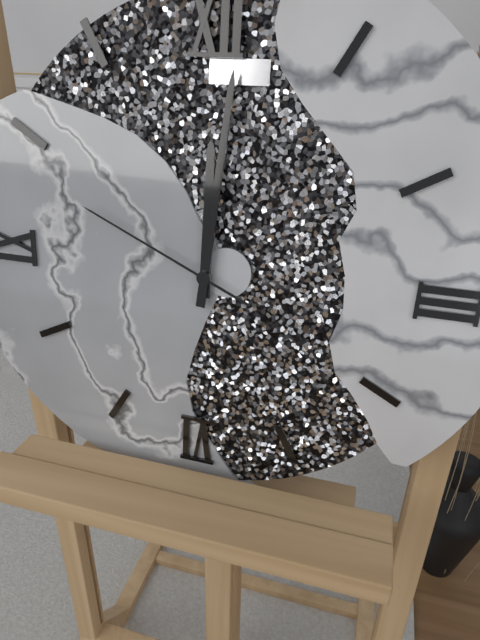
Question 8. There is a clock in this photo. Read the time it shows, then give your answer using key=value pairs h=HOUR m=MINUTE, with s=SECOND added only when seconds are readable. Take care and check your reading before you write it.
h=12 m=1 s=49
